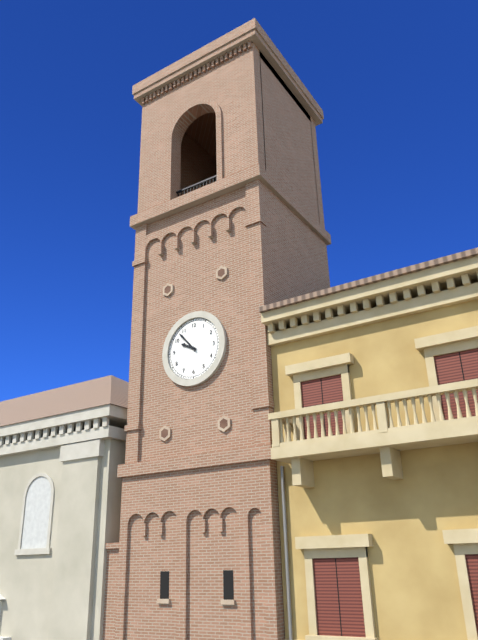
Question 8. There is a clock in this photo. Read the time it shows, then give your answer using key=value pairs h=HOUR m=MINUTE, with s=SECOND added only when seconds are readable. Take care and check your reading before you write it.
h=9 m=53
